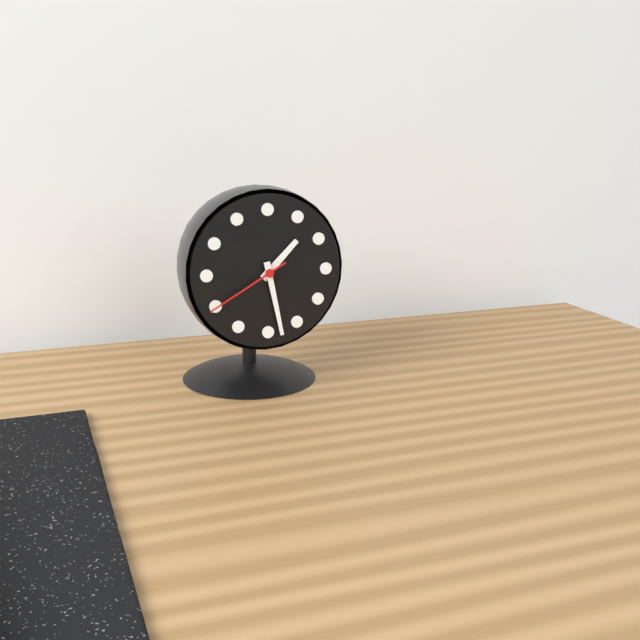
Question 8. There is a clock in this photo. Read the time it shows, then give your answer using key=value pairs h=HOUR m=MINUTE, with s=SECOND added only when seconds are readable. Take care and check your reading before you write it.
h=1 m=28 s=40
